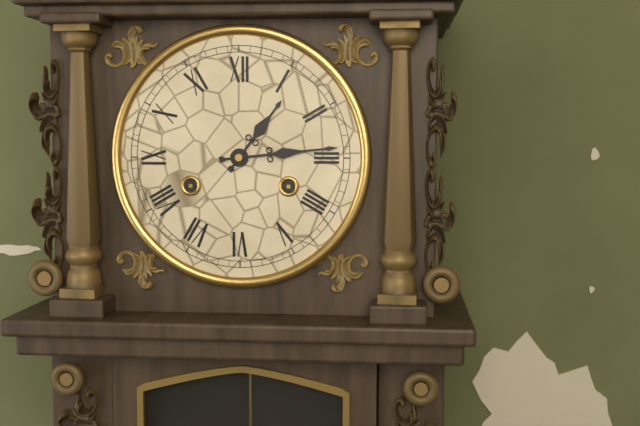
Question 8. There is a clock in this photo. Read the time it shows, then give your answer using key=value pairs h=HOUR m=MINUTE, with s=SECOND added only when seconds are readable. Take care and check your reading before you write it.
h=1 m=14
